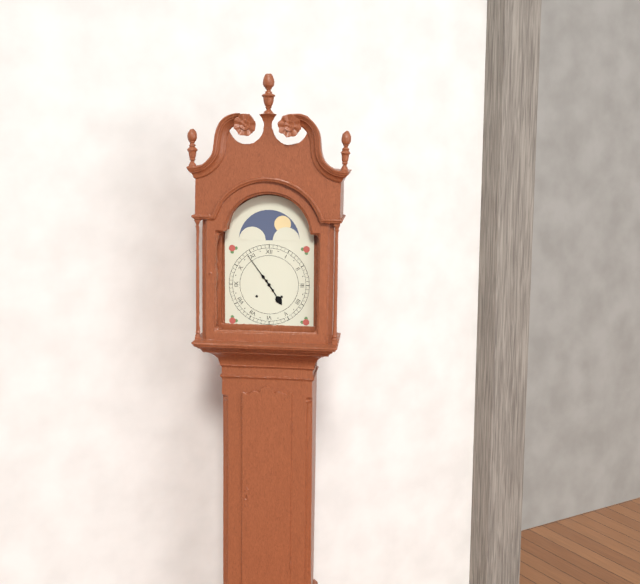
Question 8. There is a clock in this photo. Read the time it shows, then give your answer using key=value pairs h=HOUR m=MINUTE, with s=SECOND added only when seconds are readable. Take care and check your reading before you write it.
h=4 m=54
